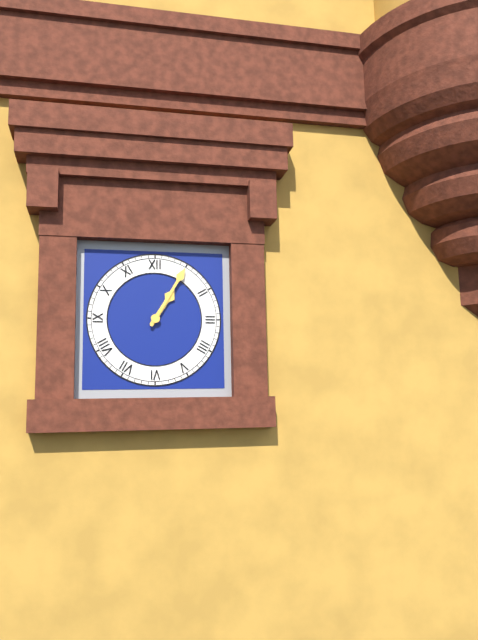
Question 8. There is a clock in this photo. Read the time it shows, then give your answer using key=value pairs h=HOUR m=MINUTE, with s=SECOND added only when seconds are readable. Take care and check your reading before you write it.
h=1 m=5
